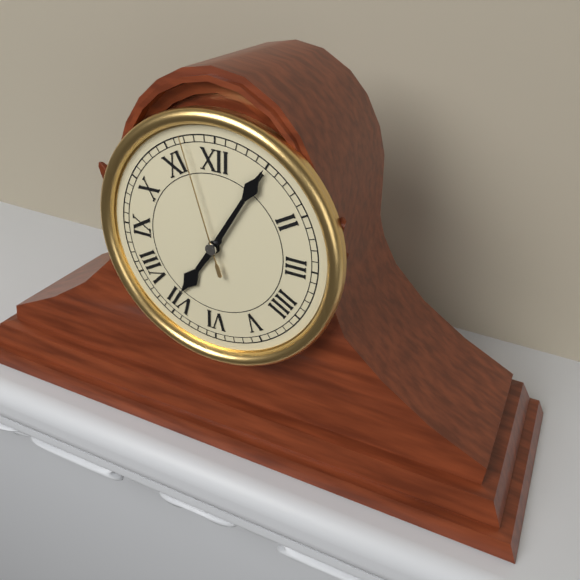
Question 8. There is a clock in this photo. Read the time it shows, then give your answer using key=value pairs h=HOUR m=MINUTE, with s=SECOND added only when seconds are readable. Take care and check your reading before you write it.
h=7 m=5 s=57
